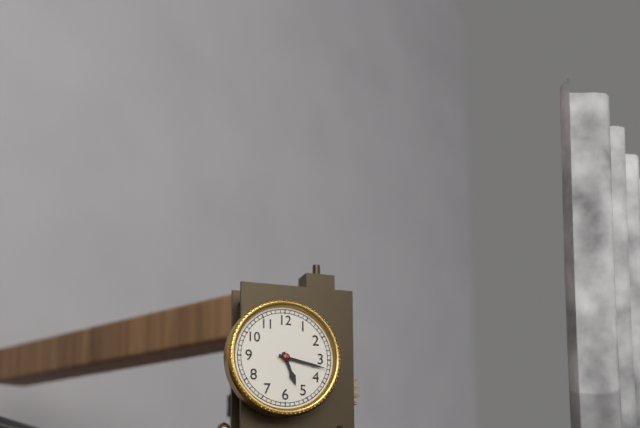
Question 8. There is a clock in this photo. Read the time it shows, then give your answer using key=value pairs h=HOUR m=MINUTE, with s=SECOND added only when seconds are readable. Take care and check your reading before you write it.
h=5 m=17
